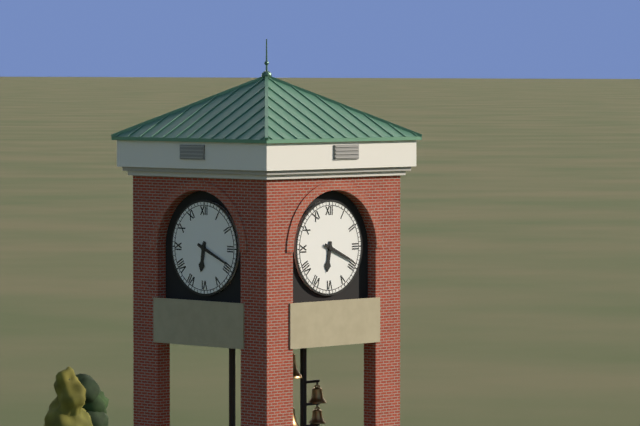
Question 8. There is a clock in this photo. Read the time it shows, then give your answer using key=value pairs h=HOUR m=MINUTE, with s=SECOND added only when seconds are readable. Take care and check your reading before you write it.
h=6 m=19
